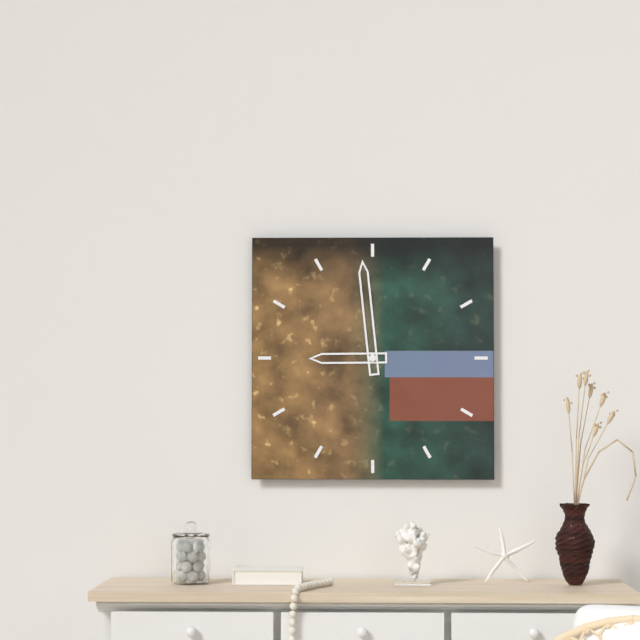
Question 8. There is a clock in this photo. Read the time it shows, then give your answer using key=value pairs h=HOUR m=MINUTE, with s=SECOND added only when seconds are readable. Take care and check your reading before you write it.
h=8 m=59
